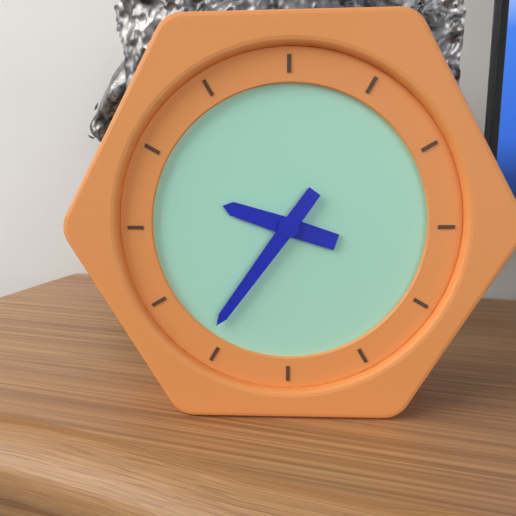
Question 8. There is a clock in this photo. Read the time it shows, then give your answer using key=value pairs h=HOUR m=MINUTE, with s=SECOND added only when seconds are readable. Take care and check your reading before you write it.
h=9 m=36
